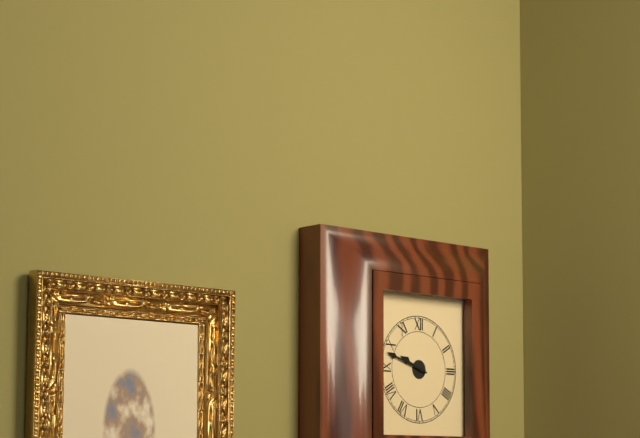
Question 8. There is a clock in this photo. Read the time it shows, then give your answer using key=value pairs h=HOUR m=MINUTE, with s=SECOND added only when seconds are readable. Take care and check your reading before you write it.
h=9 m=48
